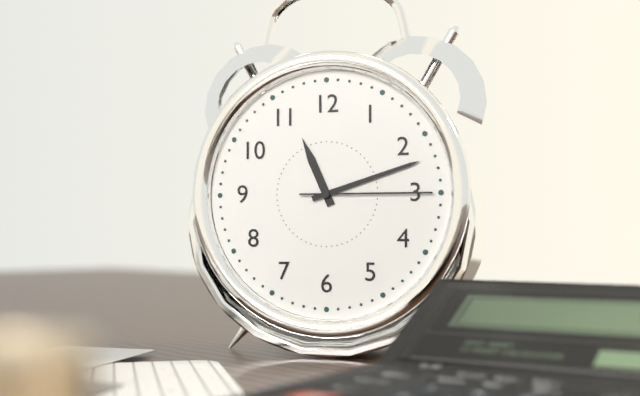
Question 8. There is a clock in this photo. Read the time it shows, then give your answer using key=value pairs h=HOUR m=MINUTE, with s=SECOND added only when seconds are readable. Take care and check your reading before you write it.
h=11 m=12 s=15
